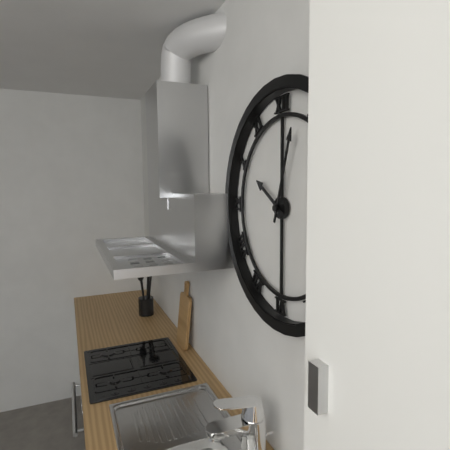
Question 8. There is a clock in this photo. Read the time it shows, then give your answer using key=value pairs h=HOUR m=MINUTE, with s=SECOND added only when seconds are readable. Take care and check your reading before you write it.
h=10 m=3
